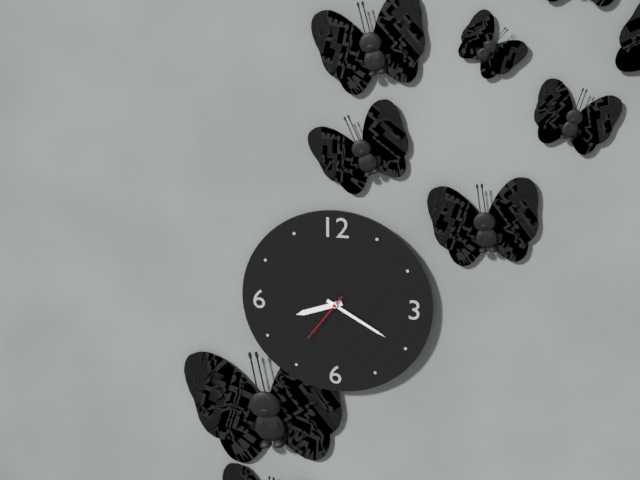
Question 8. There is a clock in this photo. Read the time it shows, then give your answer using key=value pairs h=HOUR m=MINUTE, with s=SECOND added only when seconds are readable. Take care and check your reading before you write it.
h=8 m=20 s=36
